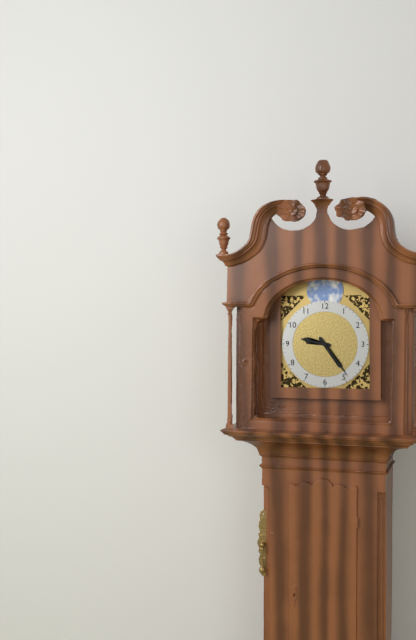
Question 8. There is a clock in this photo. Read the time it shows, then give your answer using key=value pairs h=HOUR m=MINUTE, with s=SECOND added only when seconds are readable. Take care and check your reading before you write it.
h=9 m=24
